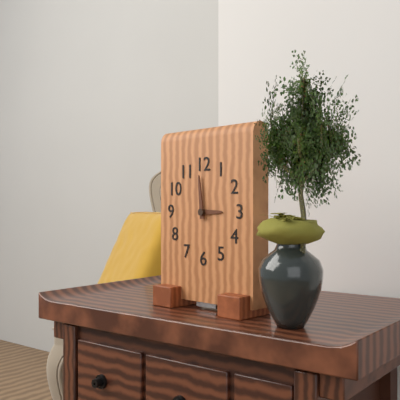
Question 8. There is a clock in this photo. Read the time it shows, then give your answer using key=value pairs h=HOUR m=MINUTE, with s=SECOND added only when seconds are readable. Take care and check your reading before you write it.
h=2 m=59
